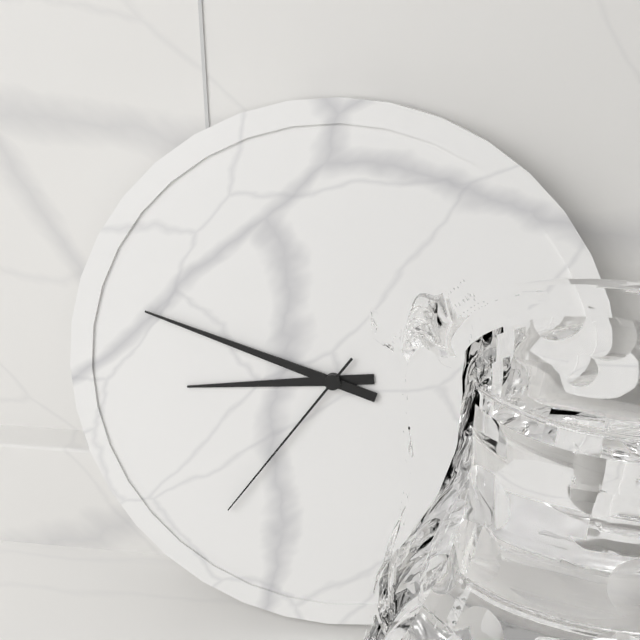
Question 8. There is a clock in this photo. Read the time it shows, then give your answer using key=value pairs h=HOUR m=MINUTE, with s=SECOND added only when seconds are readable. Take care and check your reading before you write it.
h=8 m=48 s=36
